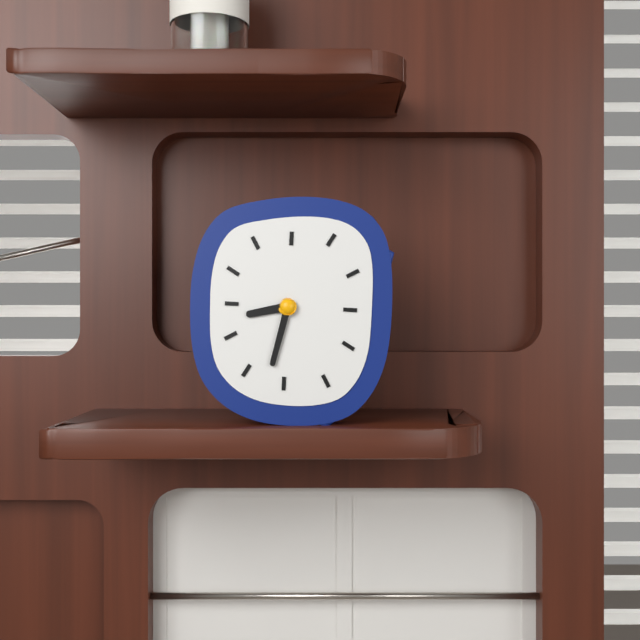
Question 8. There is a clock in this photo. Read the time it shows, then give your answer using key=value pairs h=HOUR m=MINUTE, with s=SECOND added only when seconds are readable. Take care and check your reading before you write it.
h=8 m=32
